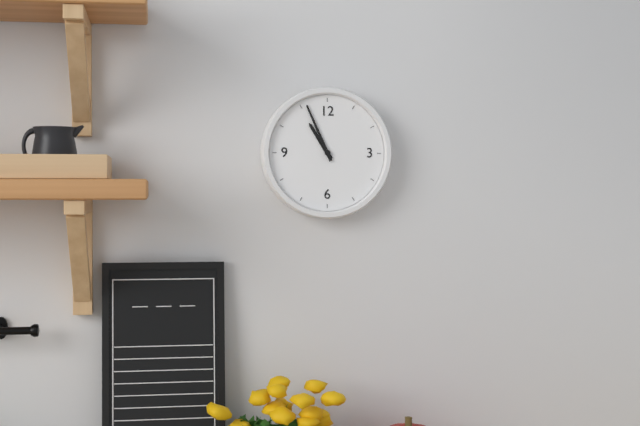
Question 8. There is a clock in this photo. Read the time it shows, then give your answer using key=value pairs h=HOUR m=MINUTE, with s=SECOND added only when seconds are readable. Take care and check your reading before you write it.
h=10 m=56
